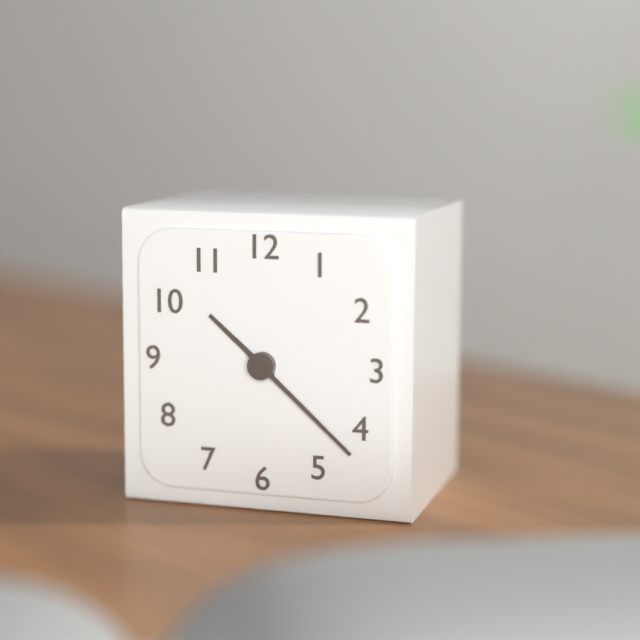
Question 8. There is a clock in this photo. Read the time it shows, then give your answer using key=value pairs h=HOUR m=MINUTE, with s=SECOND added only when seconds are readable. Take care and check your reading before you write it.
h=10 m=22
